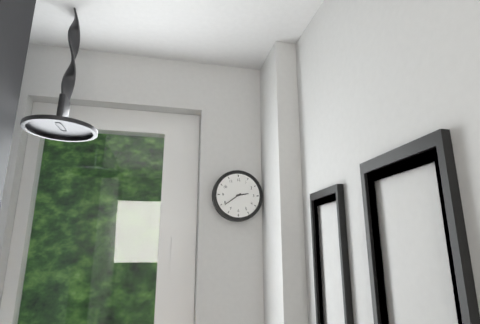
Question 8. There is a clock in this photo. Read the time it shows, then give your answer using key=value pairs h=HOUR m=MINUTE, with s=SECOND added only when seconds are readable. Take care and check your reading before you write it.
h=2 m=39
